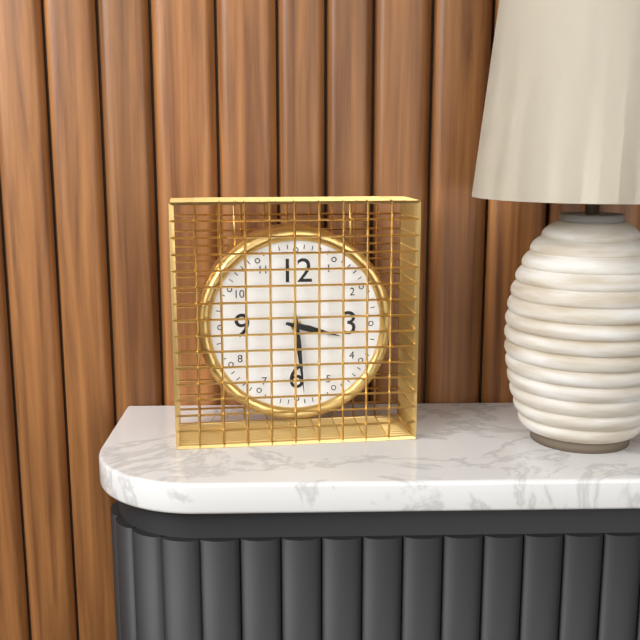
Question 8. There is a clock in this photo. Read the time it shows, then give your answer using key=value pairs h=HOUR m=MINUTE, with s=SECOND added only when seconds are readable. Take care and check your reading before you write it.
h=3 m=29
